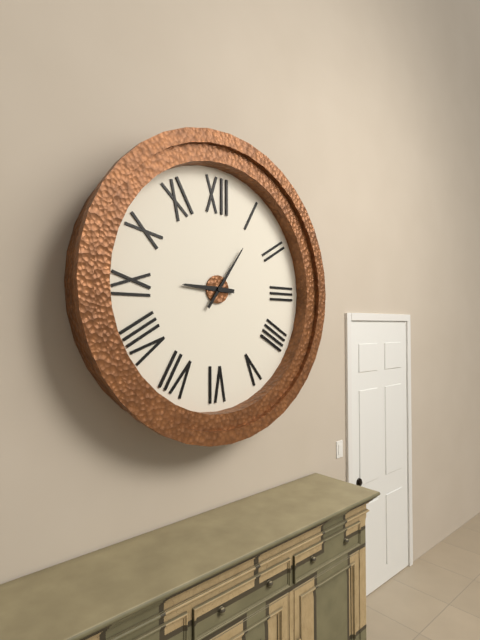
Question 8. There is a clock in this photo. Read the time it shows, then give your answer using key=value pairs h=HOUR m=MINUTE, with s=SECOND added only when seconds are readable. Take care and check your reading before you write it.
h=9 m=6
